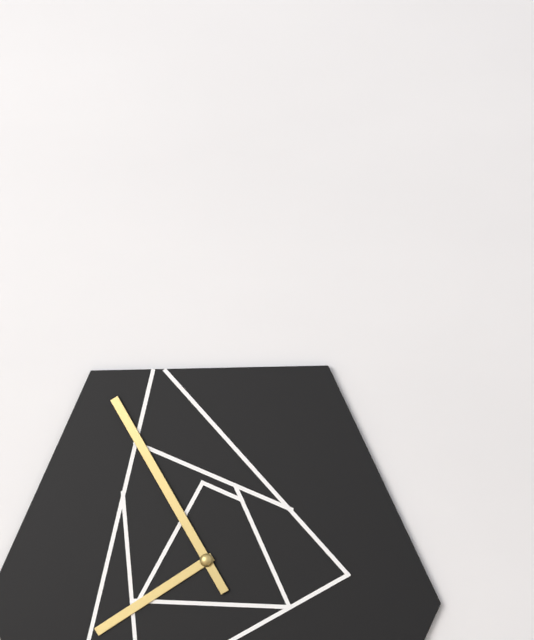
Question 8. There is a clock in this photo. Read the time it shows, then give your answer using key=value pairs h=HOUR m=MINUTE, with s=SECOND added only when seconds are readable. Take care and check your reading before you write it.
h=7 m=55
